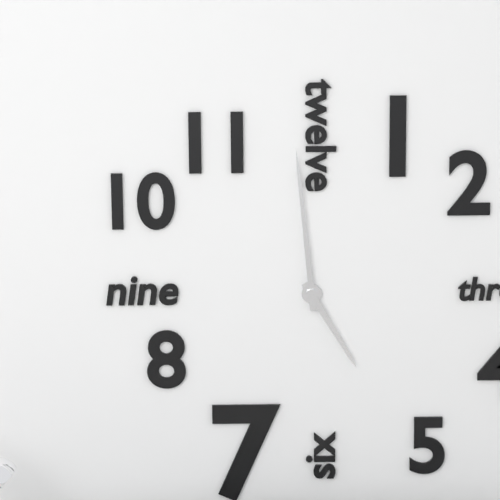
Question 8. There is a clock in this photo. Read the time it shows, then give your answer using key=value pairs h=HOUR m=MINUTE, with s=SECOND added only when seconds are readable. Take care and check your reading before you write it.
h=4 m=59
